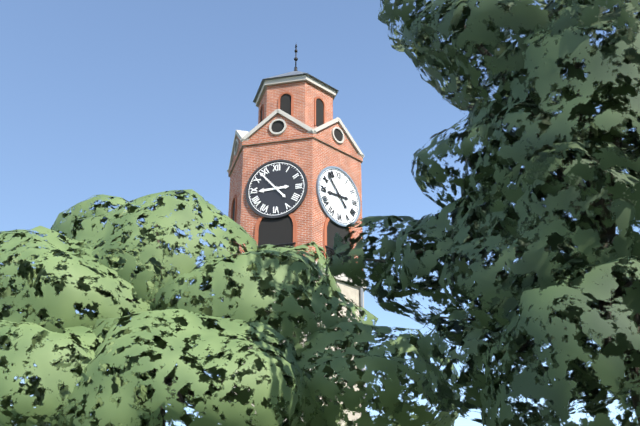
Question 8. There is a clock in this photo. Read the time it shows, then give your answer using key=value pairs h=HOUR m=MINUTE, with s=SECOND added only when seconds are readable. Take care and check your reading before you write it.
h=8 m=53
